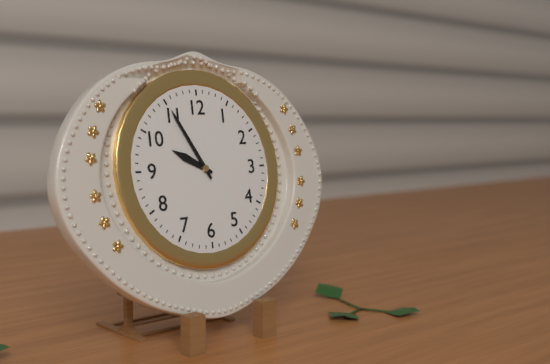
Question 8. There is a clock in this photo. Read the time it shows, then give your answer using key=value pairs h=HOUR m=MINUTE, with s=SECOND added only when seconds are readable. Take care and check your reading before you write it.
h=9 m=55
